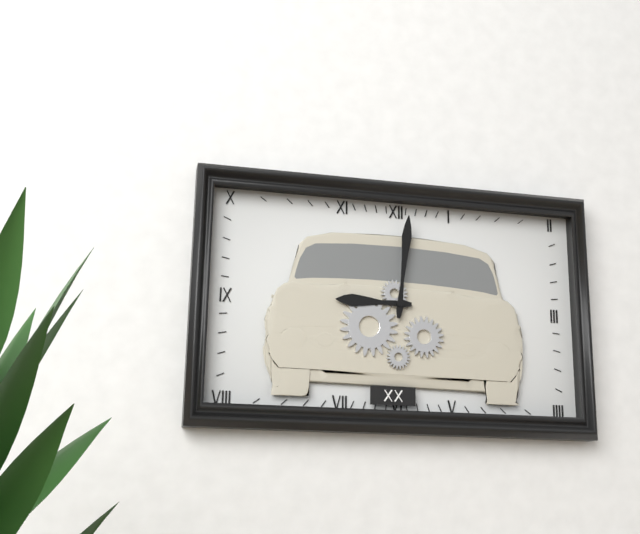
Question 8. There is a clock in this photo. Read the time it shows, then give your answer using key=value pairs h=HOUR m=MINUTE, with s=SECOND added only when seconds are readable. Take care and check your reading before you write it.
h=9 m=1
